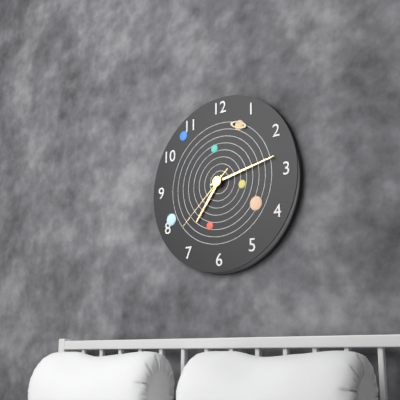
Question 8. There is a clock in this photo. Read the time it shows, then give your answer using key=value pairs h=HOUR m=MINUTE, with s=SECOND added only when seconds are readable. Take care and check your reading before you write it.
h=7 m=13 s=38
